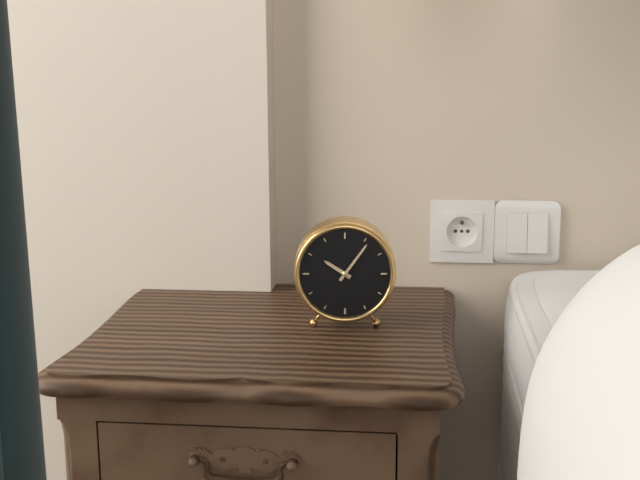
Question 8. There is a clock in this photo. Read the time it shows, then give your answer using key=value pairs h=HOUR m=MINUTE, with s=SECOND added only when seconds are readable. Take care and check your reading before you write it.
h=10 m=6
